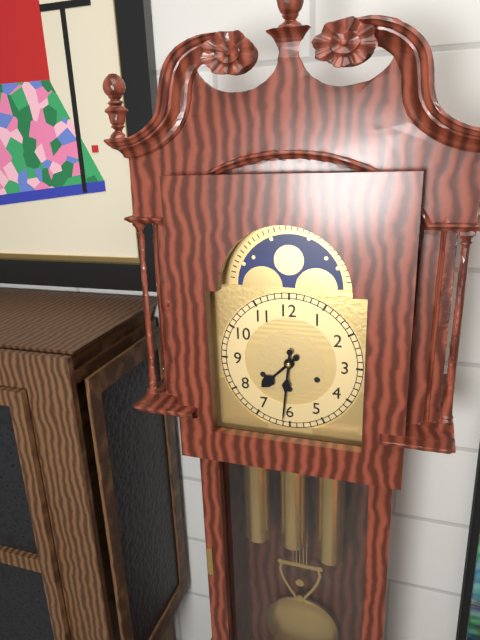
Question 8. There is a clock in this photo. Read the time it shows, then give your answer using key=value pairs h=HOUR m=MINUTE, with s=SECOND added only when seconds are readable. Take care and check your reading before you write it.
h=7 m=31
